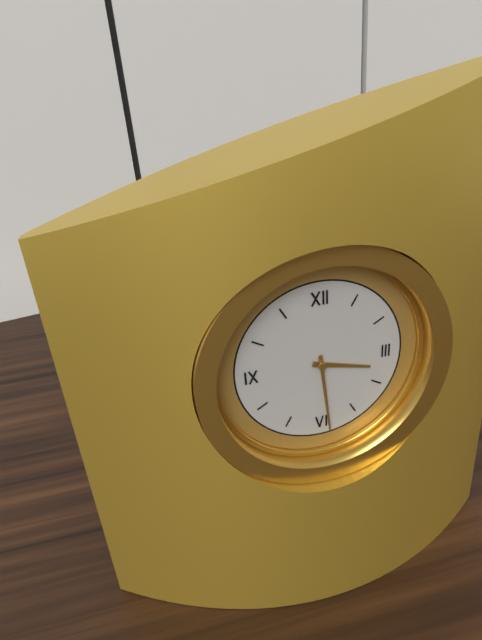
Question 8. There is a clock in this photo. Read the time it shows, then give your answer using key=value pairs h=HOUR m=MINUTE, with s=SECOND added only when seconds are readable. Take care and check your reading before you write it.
h=3 m=29
